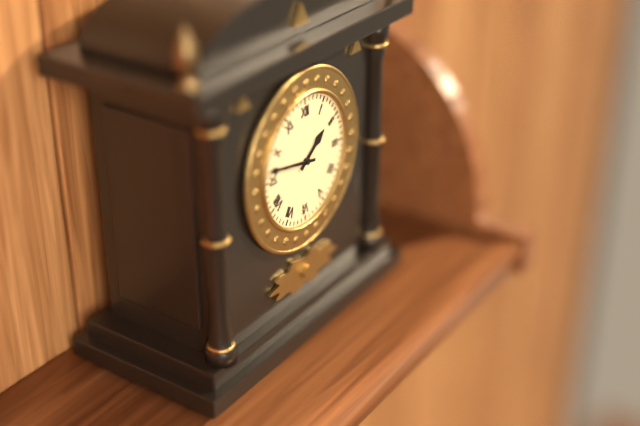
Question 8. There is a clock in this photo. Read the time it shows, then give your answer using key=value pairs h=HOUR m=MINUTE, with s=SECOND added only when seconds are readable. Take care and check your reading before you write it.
h=1 m=47
